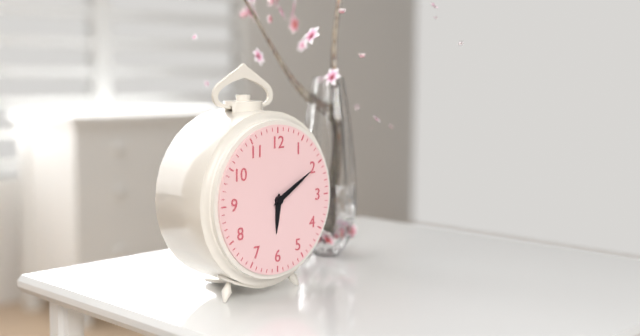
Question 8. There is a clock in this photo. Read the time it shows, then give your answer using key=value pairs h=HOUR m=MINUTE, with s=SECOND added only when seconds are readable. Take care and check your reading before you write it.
h=6 m=10
